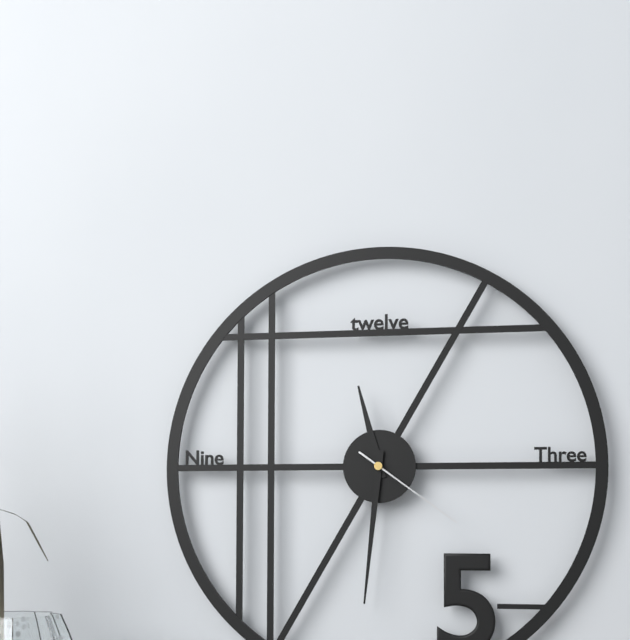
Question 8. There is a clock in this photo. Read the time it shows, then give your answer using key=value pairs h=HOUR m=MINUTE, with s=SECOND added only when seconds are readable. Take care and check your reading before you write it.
h=11 m=31 s=21
